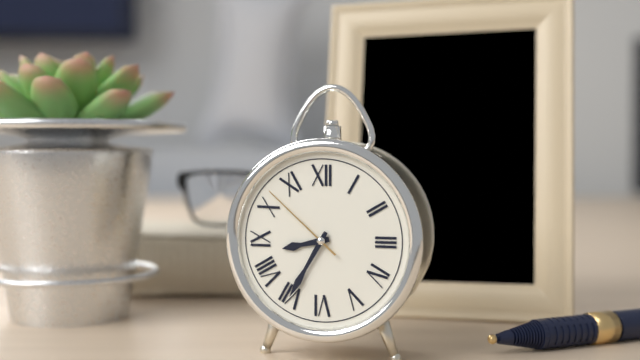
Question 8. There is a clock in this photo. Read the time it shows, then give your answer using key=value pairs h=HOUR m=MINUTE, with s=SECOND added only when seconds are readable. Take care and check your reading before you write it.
h=8 m=35 s=52
